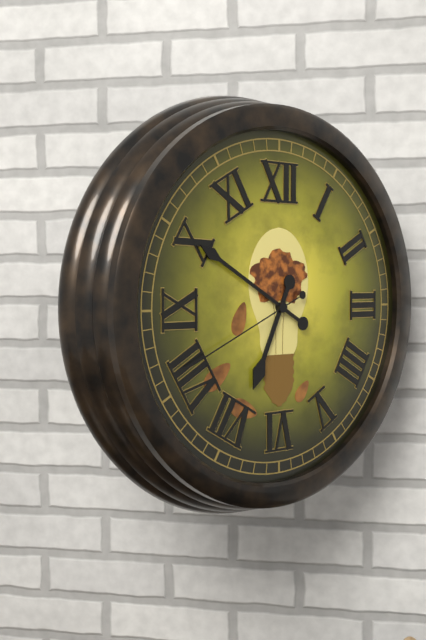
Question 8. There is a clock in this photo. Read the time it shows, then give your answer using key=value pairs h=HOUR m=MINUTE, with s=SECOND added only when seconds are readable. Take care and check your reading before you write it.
h=6 m=50 s=41
